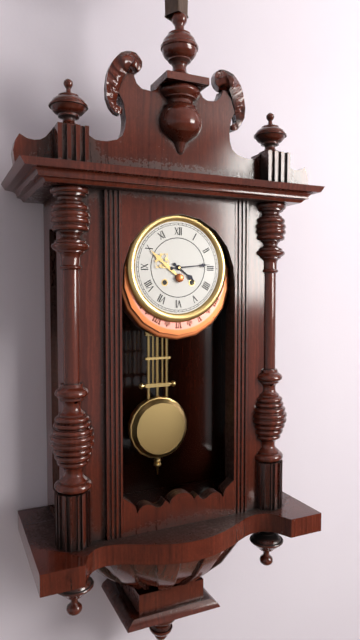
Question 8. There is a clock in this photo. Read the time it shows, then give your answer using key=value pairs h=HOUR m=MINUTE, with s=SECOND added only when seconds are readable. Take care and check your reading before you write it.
h=4 m=14
